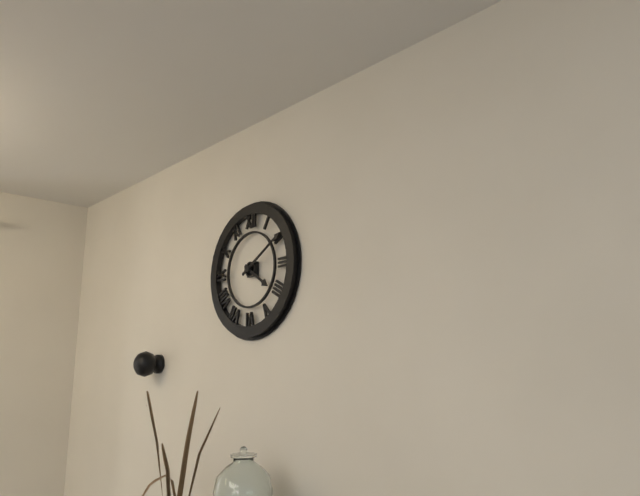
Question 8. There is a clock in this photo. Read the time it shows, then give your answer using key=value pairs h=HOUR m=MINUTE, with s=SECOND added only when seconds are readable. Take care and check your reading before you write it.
h=4 m=10
